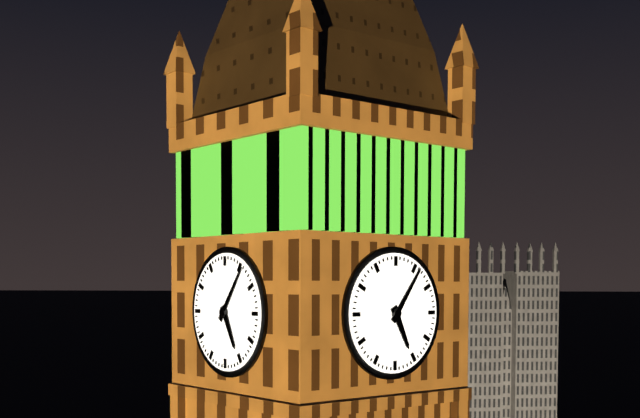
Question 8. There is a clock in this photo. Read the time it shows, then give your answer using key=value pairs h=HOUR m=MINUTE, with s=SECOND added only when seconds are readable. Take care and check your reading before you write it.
h=5 m=6
